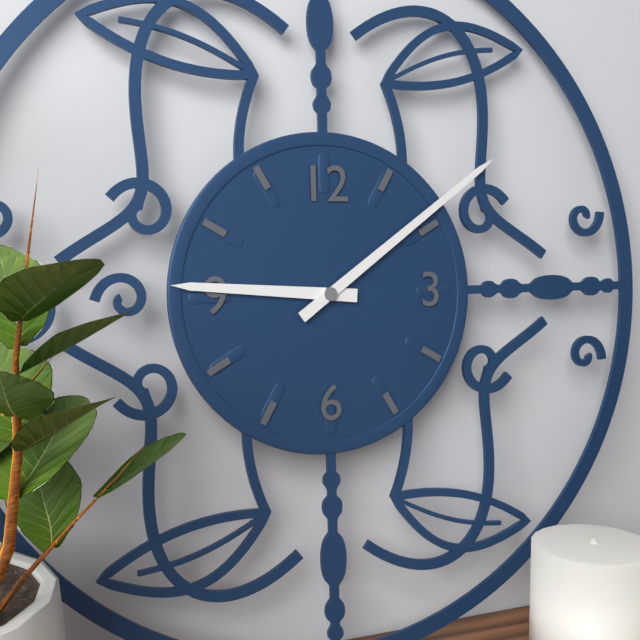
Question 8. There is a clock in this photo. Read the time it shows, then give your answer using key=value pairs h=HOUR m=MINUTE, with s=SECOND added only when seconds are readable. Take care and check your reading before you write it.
h=9 m=9
